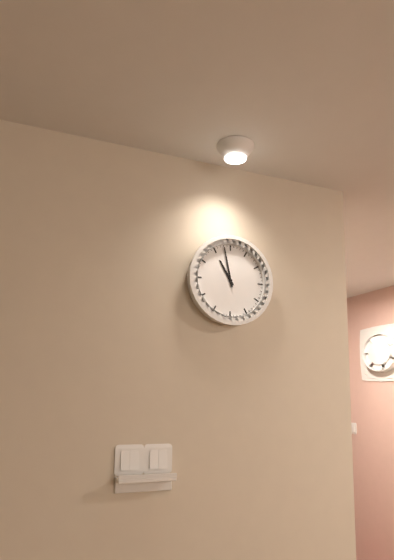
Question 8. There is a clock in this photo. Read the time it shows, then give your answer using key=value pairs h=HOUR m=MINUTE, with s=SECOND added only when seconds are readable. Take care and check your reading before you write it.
h=10 m=58
